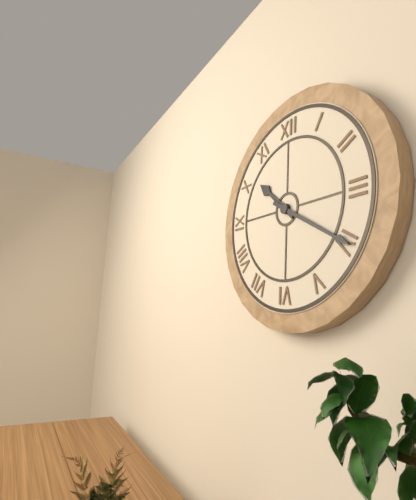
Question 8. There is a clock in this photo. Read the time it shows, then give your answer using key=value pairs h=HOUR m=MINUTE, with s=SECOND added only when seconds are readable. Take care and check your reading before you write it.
h=10 m=20
